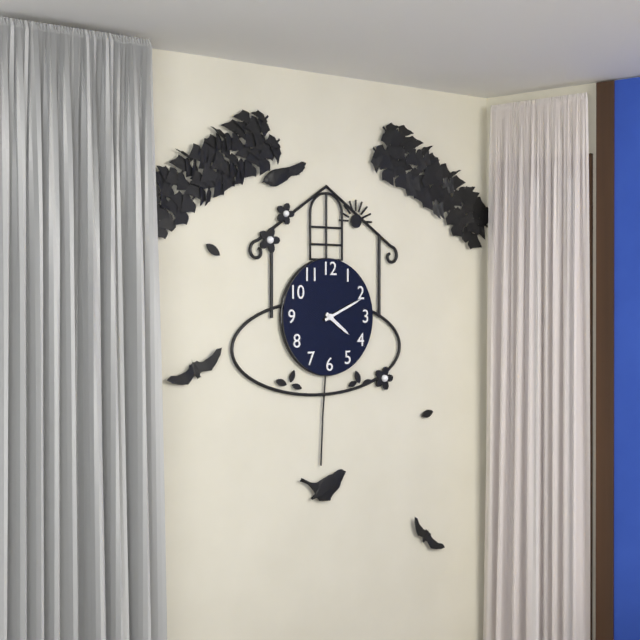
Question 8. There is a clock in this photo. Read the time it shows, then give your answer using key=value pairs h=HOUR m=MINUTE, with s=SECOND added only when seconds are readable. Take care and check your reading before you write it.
h=4 m=11
